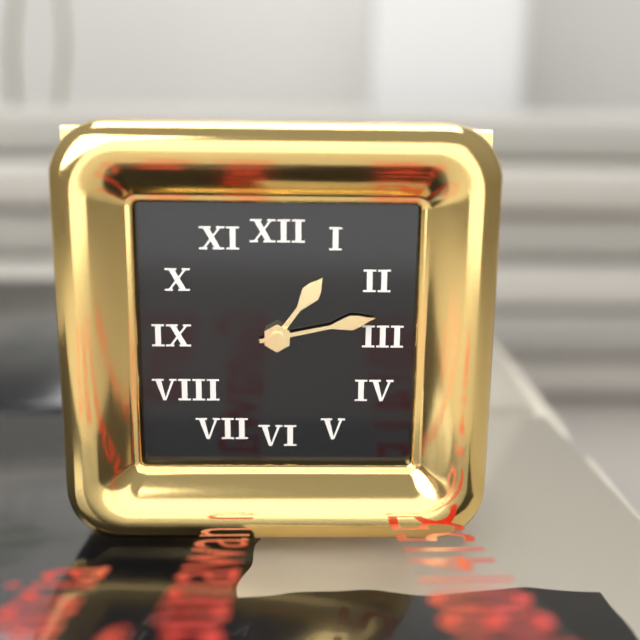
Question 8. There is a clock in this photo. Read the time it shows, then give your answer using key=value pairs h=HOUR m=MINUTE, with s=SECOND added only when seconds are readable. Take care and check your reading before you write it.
h=1 m=13
